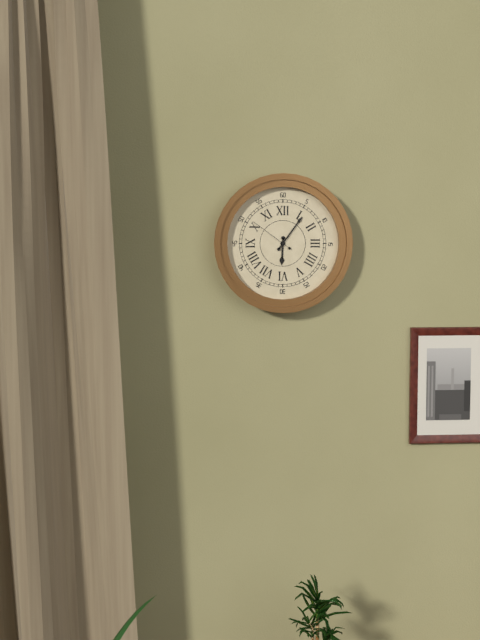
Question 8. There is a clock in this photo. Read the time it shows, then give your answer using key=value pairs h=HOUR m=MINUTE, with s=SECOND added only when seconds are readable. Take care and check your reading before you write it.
h=6 m=6
